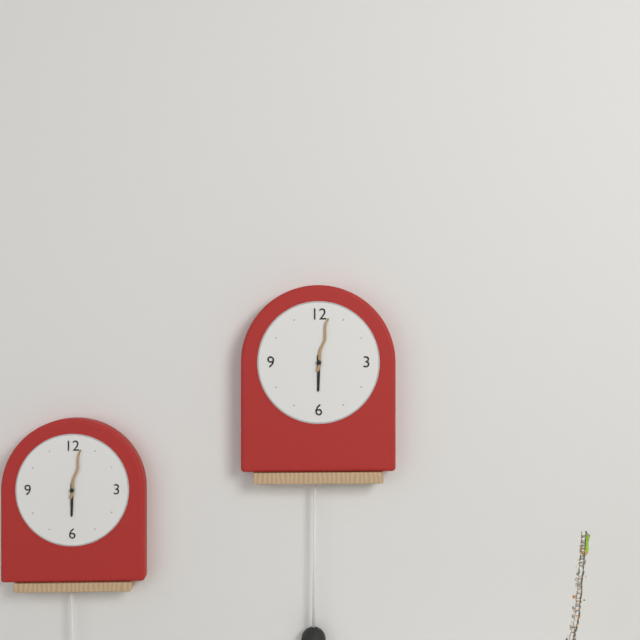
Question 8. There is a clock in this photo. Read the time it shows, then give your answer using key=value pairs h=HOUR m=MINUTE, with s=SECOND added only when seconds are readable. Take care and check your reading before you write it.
h=6 m=2
